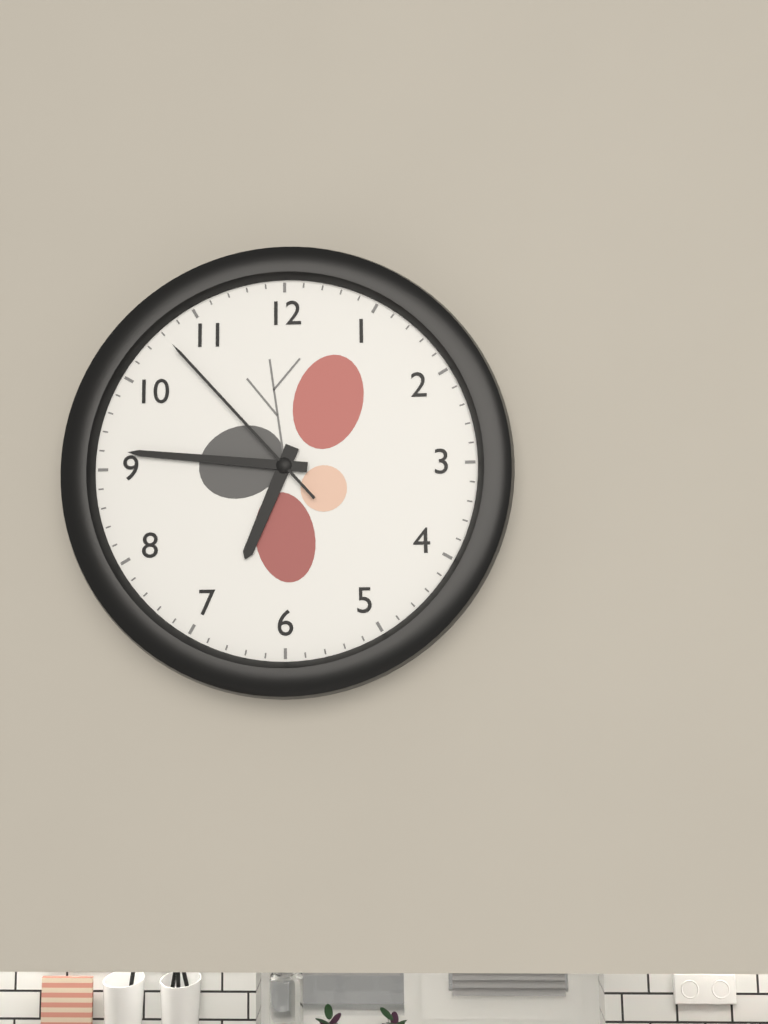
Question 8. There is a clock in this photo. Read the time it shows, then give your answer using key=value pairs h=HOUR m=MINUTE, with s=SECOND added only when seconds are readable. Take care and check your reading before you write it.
h=6 m=46 s=53
